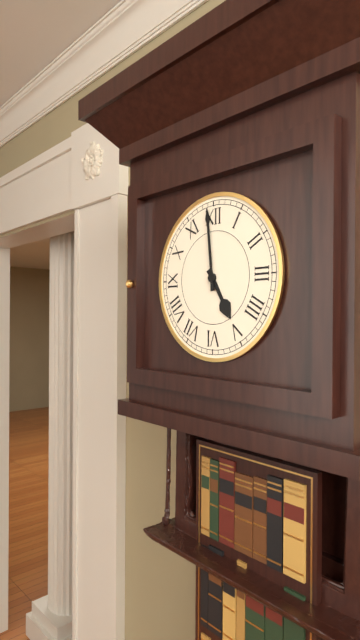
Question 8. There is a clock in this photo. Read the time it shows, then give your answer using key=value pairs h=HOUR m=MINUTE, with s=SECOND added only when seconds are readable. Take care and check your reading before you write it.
h=4 m=59
